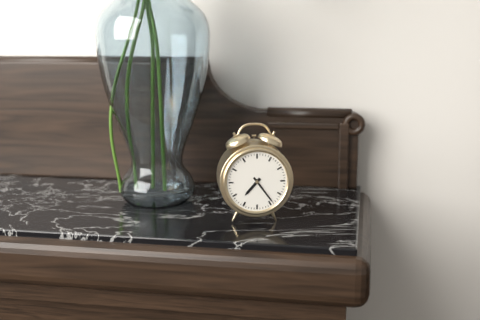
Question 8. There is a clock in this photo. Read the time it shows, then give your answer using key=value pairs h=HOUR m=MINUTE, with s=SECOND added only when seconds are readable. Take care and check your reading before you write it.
h=7 m=24
